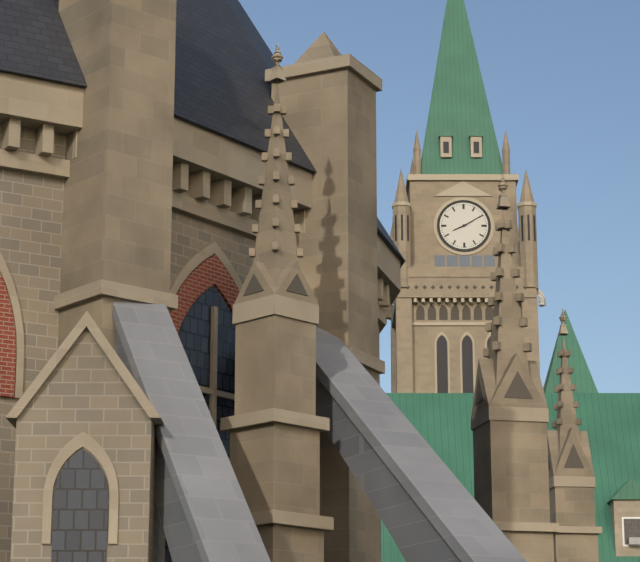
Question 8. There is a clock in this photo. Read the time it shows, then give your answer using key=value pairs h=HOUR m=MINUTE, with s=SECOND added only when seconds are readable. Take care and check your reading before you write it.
h=8 m=10
